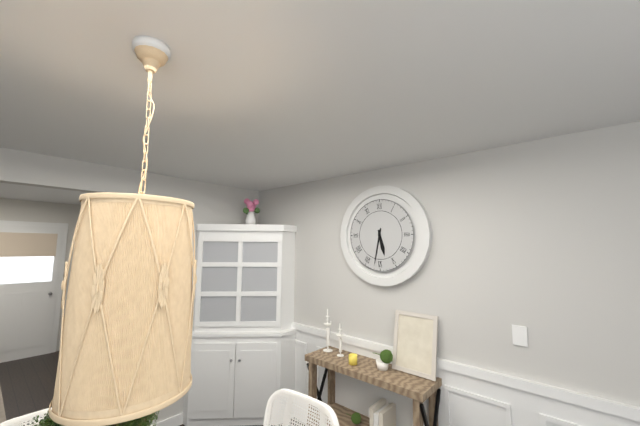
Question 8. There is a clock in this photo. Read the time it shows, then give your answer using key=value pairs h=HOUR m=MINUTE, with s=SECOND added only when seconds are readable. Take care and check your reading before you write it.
h=5 m=32
